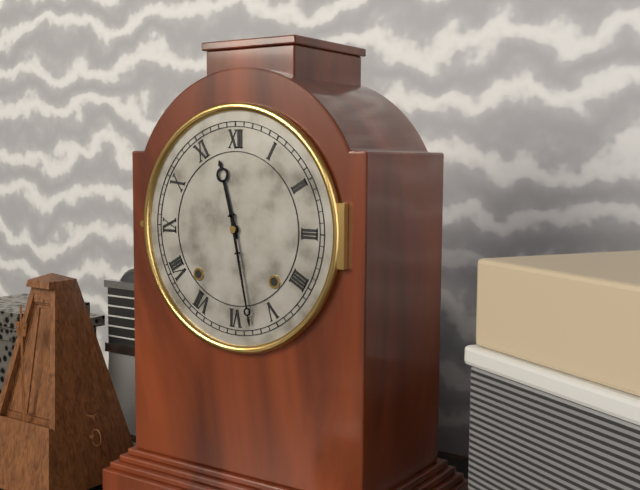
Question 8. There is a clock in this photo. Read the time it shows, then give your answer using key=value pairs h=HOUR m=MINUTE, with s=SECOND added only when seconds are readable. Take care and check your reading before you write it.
h=11 m=28
